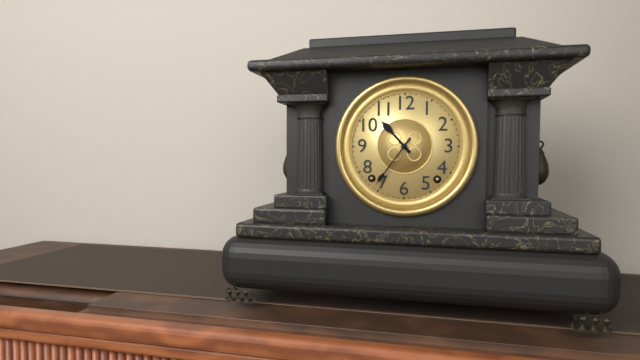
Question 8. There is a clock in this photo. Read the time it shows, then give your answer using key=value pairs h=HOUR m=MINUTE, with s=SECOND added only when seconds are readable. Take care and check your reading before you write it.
h=10 m=36
